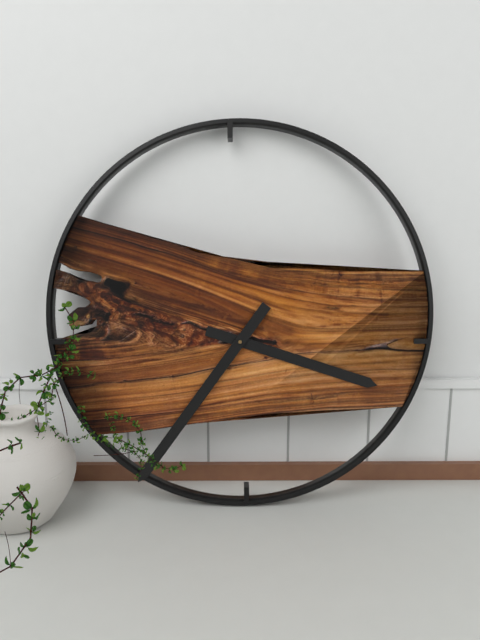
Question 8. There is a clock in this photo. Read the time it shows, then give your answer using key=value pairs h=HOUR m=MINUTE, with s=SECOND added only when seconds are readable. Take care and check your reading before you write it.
h=3 m=36
